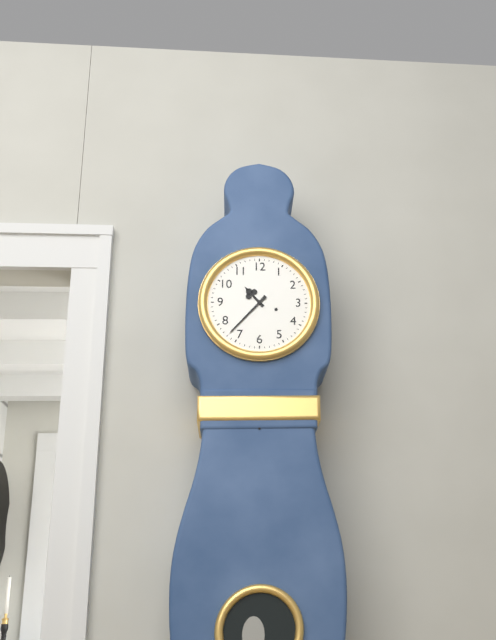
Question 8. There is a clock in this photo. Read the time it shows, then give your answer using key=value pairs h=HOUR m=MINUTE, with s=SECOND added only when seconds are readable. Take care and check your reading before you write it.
h=10 m=37
